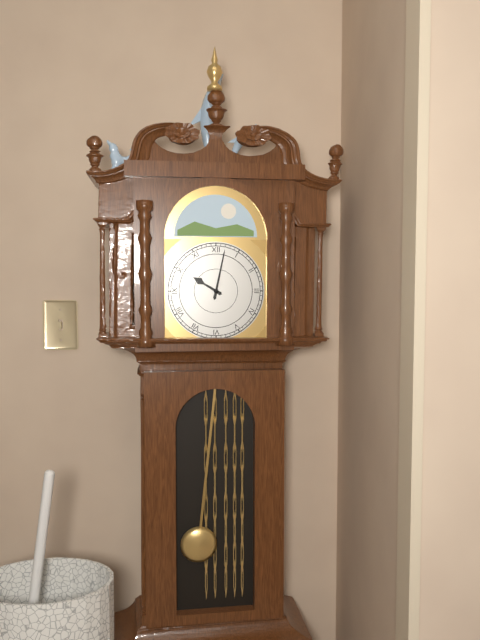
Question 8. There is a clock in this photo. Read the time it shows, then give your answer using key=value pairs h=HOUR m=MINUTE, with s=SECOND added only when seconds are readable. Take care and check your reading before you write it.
h=10 m=2
